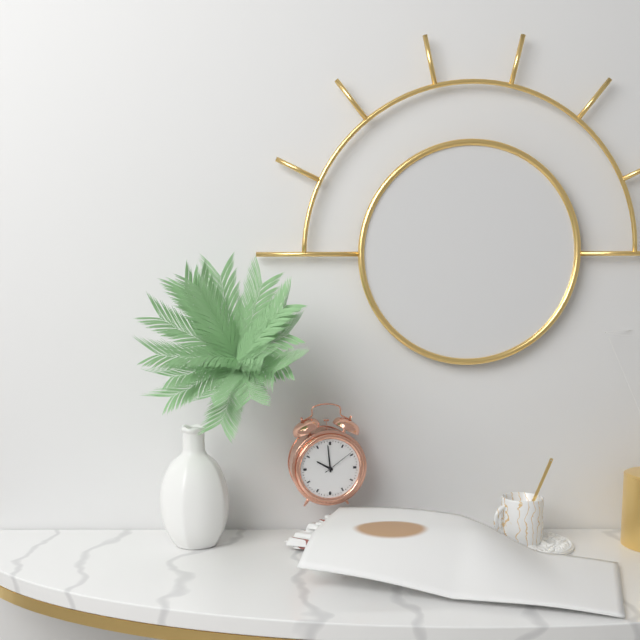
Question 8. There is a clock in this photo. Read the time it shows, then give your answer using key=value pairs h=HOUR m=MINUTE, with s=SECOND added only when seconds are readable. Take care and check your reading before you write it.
h=9 m=59
